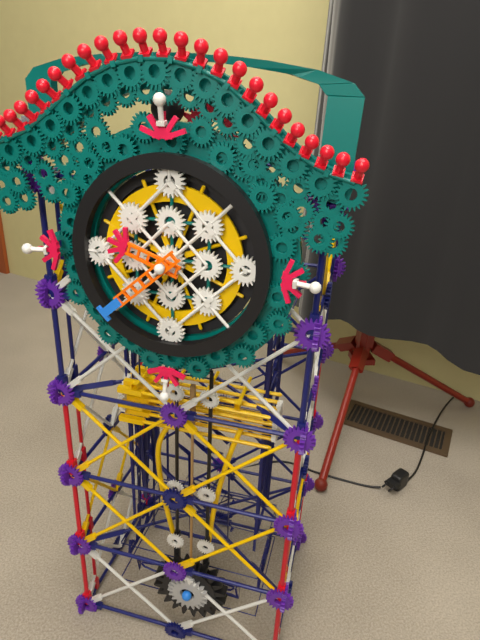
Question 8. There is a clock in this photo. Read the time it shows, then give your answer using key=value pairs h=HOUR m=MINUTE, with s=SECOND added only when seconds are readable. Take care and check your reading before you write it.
h=9 m=38
